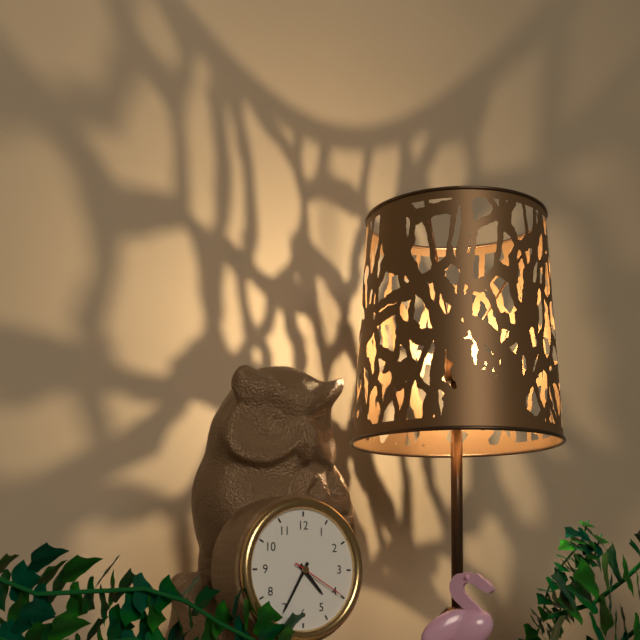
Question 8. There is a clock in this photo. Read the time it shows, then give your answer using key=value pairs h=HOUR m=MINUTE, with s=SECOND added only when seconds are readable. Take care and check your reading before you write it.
h=4 m=35 s=20
